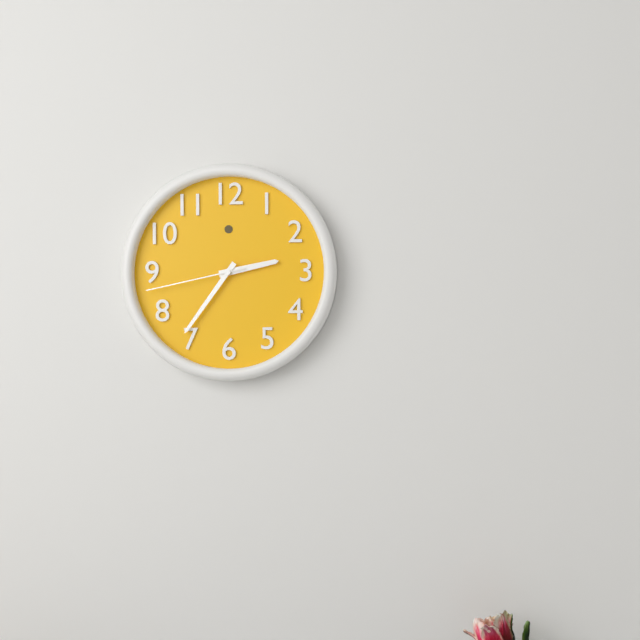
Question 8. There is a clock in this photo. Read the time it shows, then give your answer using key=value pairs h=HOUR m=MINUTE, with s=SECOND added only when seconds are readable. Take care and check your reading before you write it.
h=2 m=36 s=43
